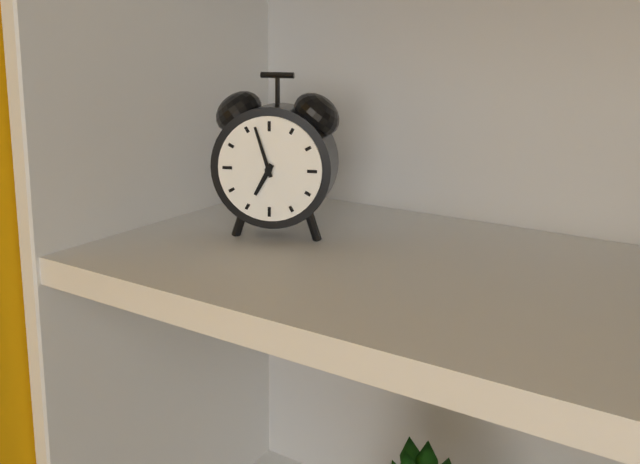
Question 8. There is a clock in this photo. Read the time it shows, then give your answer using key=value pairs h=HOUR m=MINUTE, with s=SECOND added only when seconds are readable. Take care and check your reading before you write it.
h=6 m=57
